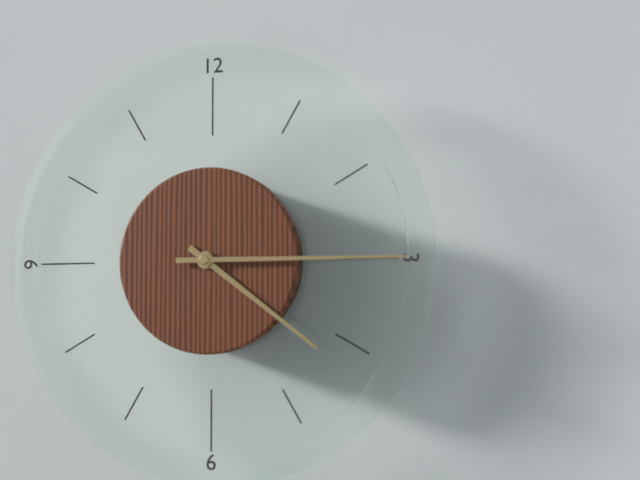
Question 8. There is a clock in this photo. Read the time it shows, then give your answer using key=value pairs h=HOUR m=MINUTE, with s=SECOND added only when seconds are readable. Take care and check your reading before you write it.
h=4 m=15
